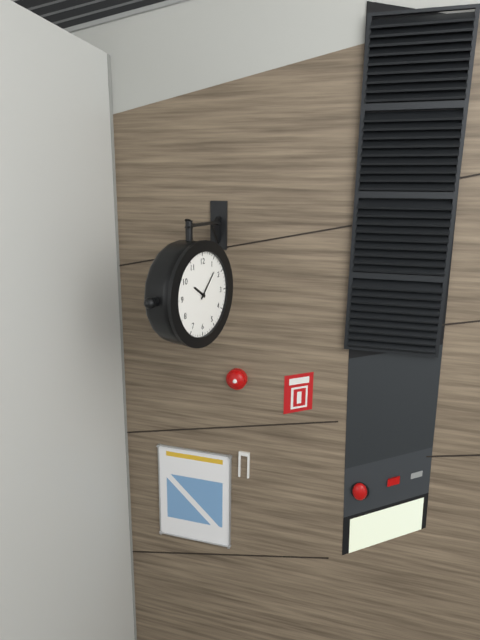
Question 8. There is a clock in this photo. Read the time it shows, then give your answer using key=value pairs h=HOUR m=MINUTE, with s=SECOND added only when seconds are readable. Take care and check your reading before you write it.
h=10 m=7
